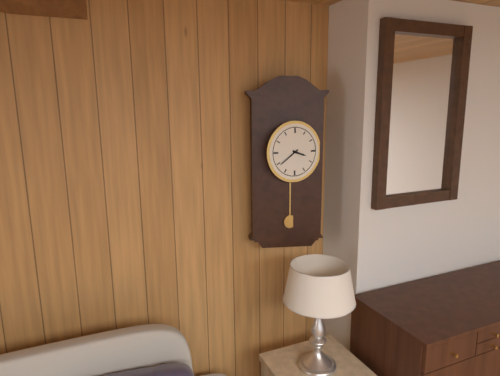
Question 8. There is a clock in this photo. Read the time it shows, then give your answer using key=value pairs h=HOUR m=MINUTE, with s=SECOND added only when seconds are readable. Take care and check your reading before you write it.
h=3 m=39
